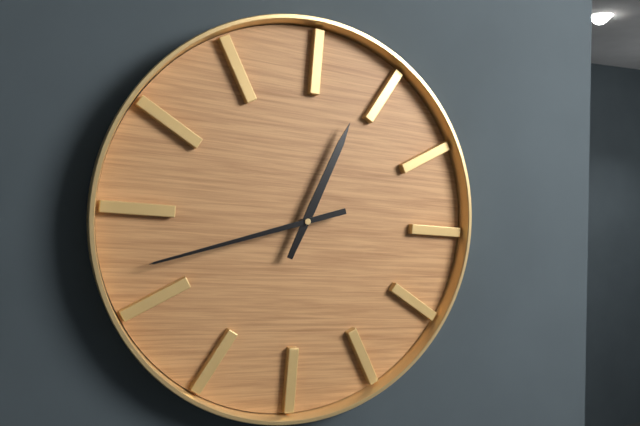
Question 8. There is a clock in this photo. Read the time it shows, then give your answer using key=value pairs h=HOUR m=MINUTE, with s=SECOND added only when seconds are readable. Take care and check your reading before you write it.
h=12 m=42
